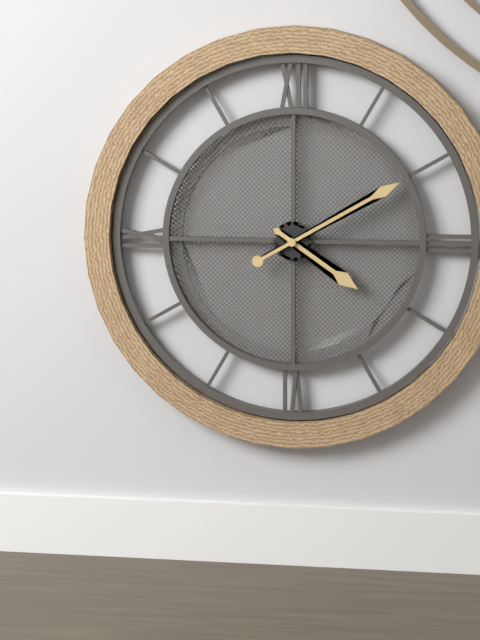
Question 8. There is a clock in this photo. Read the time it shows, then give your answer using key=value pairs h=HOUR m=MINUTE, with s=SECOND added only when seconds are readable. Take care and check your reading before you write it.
h=4 m=10
